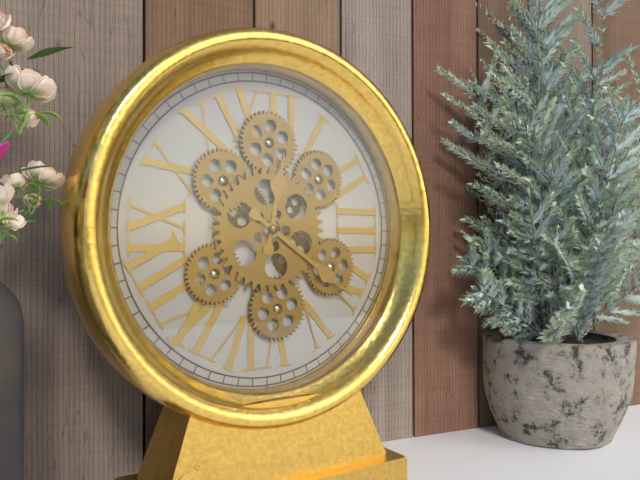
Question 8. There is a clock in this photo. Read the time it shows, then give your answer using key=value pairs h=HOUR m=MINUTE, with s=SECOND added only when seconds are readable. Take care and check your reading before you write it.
h=12 m=21
